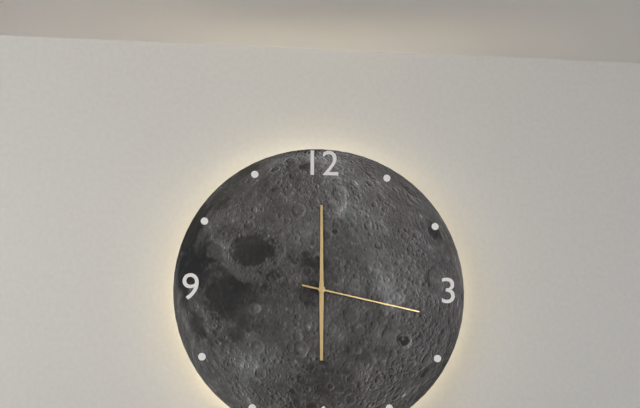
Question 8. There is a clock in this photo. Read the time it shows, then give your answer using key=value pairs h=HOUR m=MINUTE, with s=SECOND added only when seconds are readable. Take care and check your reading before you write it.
h=6 m=0 s=17
